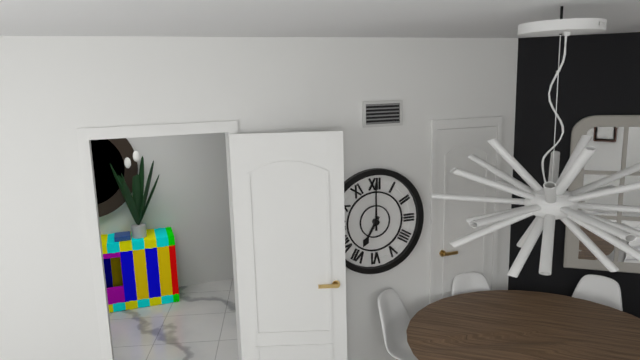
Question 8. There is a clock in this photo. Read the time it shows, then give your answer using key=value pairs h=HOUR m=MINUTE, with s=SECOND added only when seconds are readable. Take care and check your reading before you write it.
h=7 m=0
